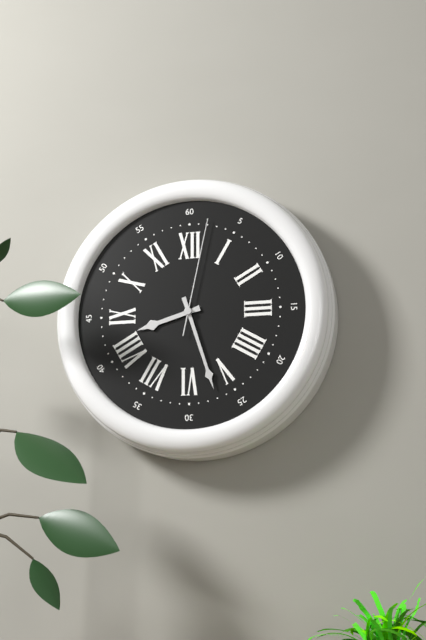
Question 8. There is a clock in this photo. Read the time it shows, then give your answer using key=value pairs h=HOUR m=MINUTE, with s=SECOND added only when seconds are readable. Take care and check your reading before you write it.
h=8 m=27 s=2
